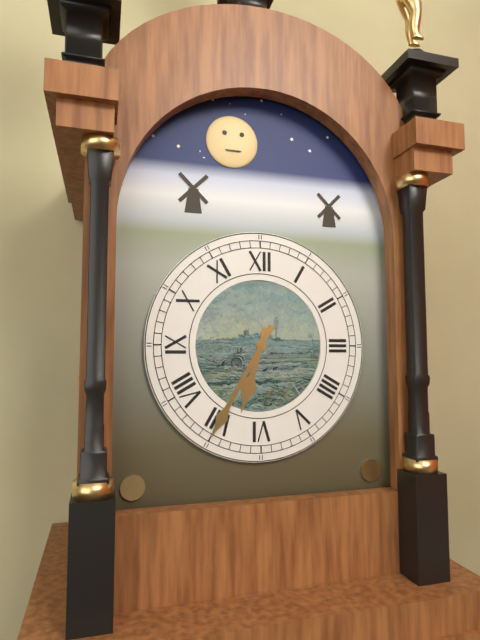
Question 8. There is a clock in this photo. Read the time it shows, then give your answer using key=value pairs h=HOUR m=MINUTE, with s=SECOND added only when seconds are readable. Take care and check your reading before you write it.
h=6 m=35
